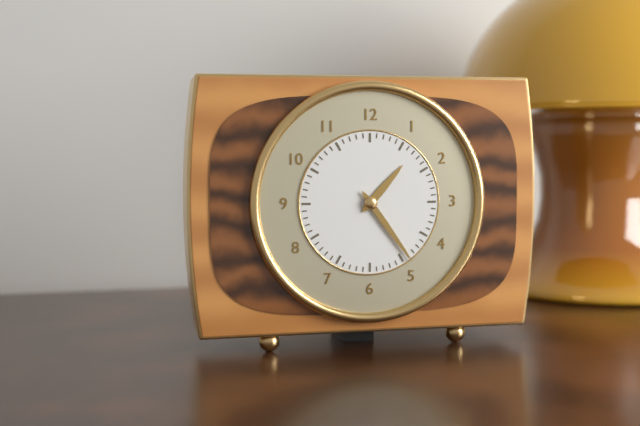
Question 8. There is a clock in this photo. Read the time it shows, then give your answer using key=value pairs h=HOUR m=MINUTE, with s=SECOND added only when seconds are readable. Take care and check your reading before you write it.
h=1 m=24
